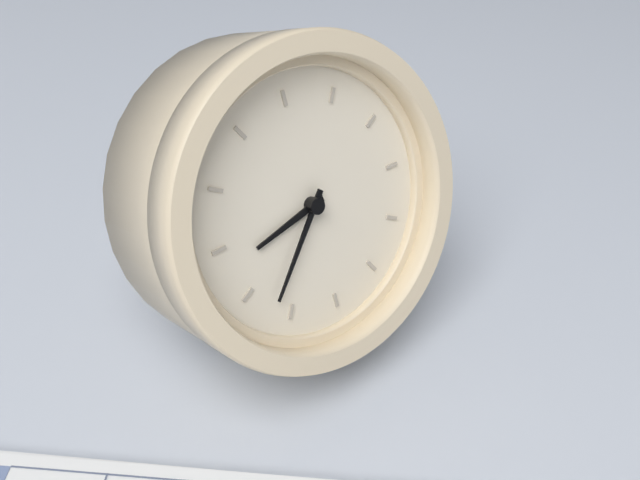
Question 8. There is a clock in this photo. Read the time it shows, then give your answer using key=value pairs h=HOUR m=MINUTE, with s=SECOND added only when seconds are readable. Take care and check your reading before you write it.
h=8 m=37
